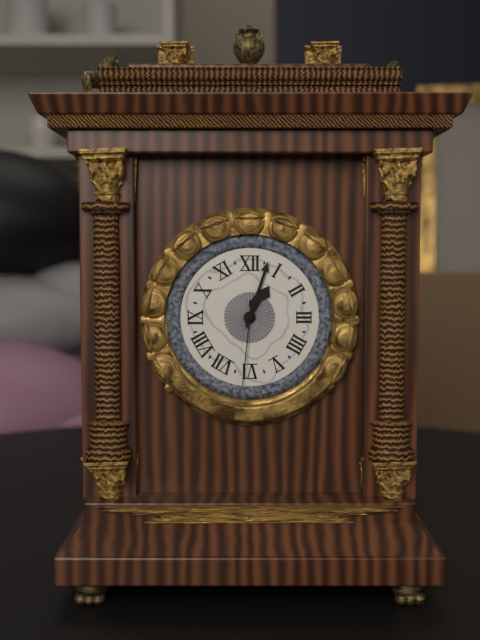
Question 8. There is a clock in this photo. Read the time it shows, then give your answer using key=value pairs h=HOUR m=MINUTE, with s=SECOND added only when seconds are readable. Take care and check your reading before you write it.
h=1 m=3 s=31
